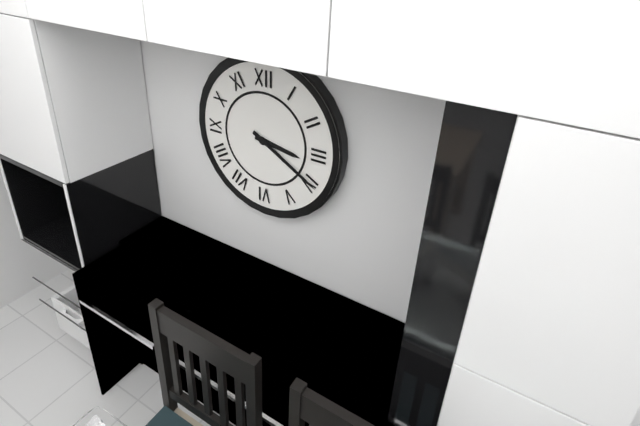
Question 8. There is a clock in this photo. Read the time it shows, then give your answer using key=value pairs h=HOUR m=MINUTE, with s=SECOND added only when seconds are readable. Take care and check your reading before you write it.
h=3 m=20
